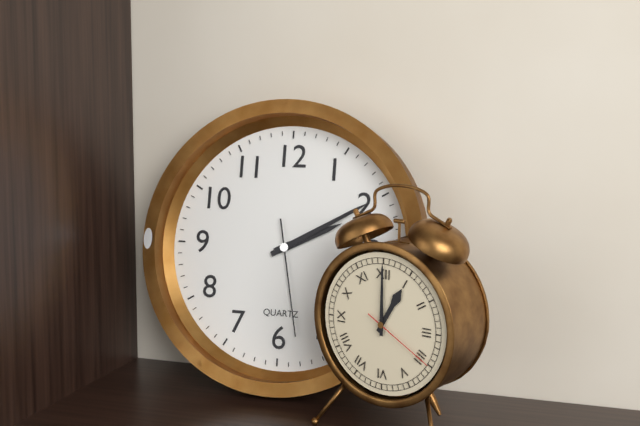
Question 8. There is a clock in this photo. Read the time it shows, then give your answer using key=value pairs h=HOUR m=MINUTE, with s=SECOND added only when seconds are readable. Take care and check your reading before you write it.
h=2 m=10 s=28
